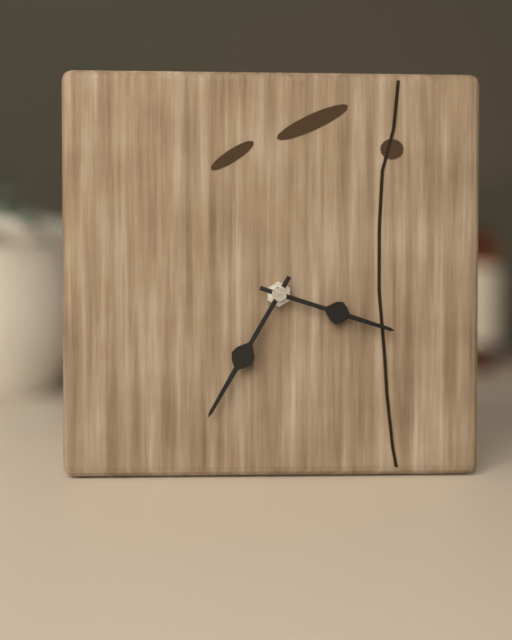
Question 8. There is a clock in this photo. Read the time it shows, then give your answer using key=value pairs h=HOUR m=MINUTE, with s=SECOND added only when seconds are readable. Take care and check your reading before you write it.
h=3 m=35
